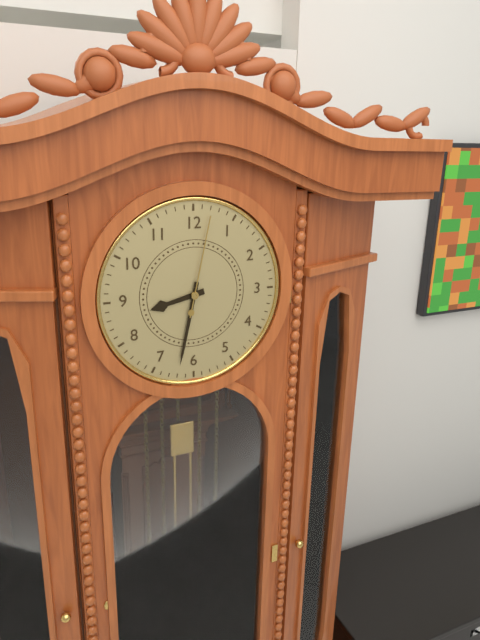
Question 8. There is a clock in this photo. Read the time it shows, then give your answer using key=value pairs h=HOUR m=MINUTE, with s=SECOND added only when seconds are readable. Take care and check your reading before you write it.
h=8 m=32 s=2
